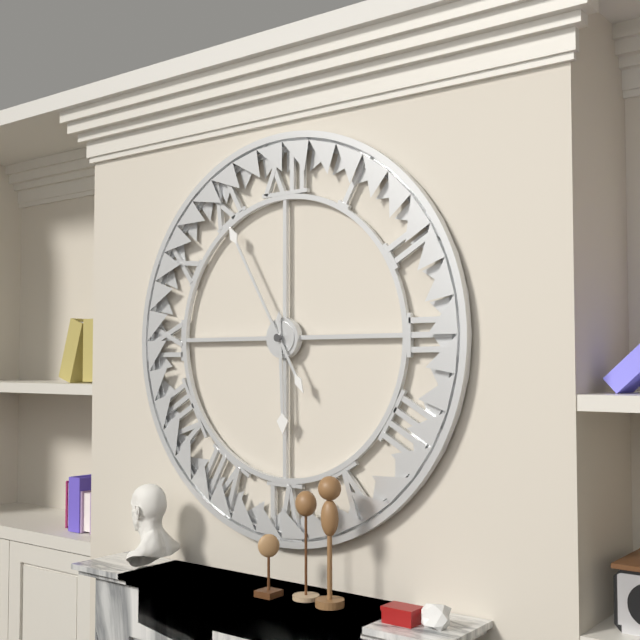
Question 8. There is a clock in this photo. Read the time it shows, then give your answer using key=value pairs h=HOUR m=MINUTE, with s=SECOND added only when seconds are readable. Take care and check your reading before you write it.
h=5 m=55
